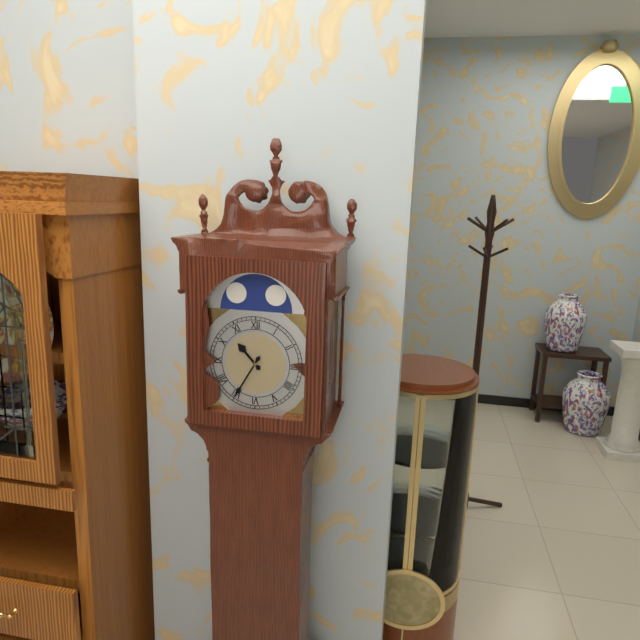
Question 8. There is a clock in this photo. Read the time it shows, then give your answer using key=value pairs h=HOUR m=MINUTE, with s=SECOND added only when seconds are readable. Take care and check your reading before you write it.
h=10 m=35
